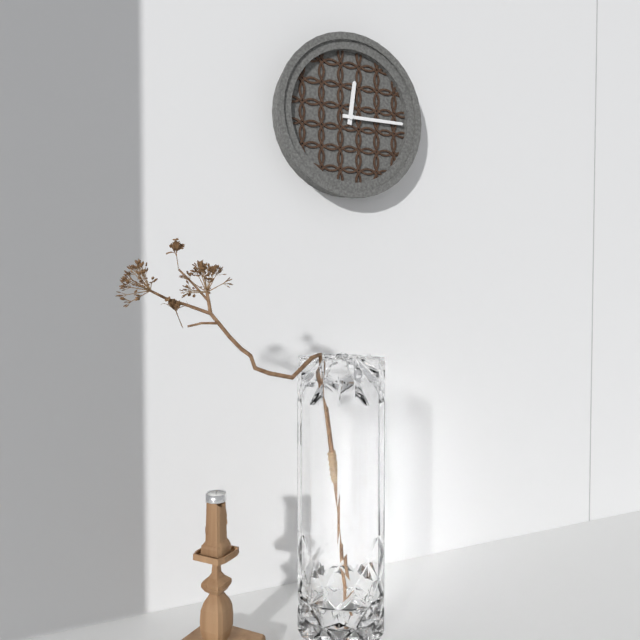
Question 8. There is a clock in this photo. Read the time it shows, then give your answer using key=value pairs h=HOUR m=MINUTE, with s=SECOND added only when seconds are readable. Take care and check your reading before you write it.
h=12 m=15
